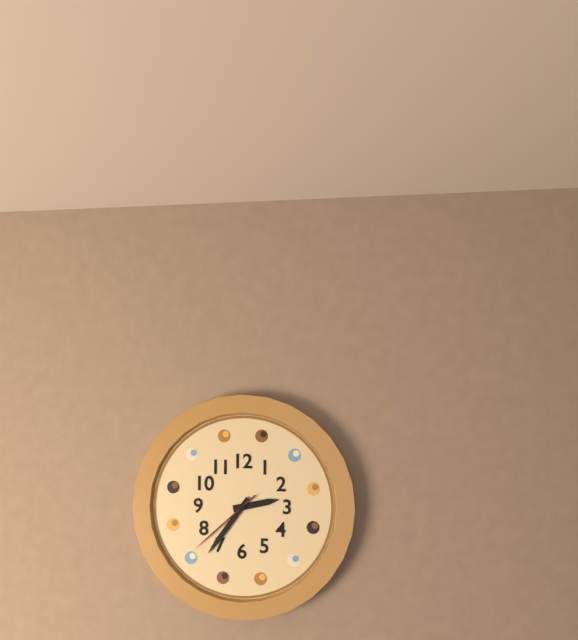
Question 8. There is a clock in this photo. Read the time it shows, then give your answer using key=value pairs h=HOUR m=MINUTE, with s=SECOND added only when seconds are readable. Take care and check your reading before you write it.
h=2 m=36 s=38
